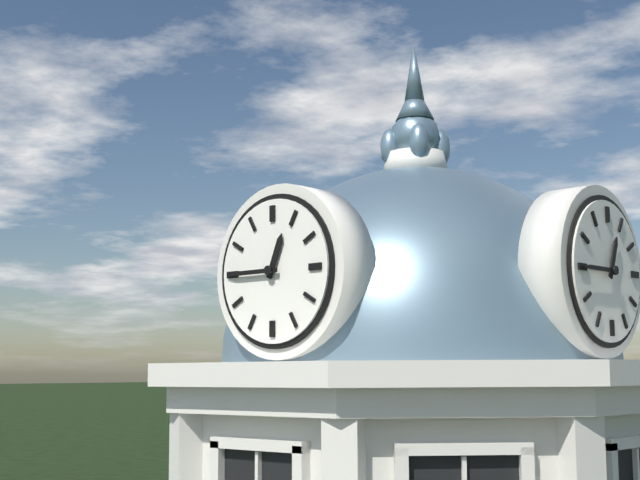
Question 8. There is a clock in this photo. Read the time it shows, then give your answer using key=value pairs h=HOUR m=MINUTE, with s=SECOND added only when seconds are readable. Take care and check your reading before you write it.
h=12 m=45
